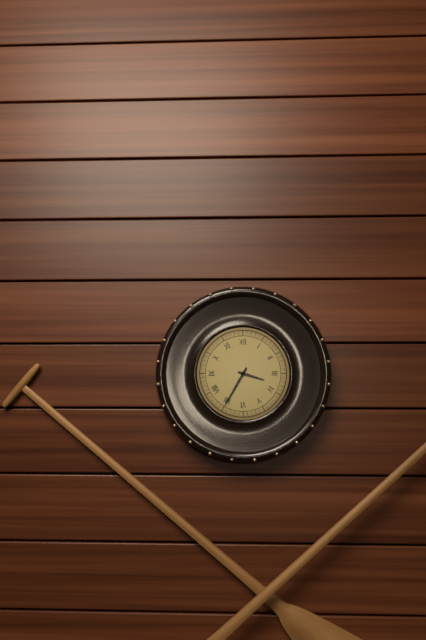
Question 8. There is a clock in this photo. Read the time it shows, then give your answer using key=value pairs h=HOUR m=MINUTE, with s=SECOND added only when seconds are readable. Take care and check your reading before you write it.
h=3 m=35
